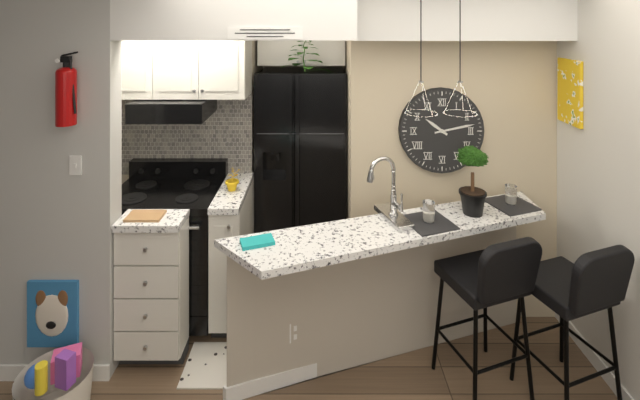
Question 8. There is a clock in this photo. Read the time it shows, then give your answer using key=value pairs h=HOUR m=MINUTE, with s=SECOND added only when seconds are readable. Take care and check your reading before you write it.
h=10 m=13
